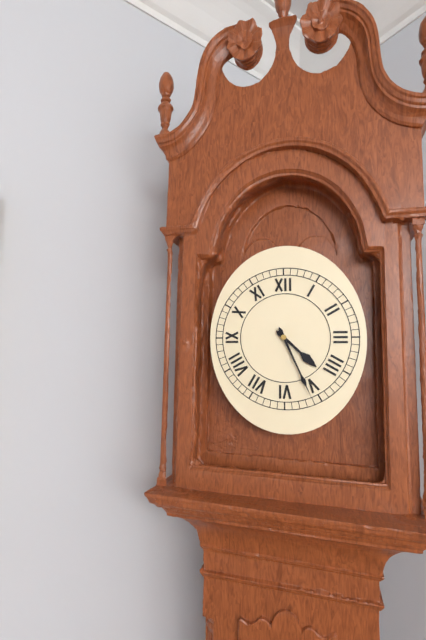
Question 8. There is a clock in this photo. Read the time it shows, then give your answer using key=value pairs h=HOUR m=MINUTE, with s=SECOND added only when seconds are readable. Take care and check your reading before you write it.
h=4 m=26
